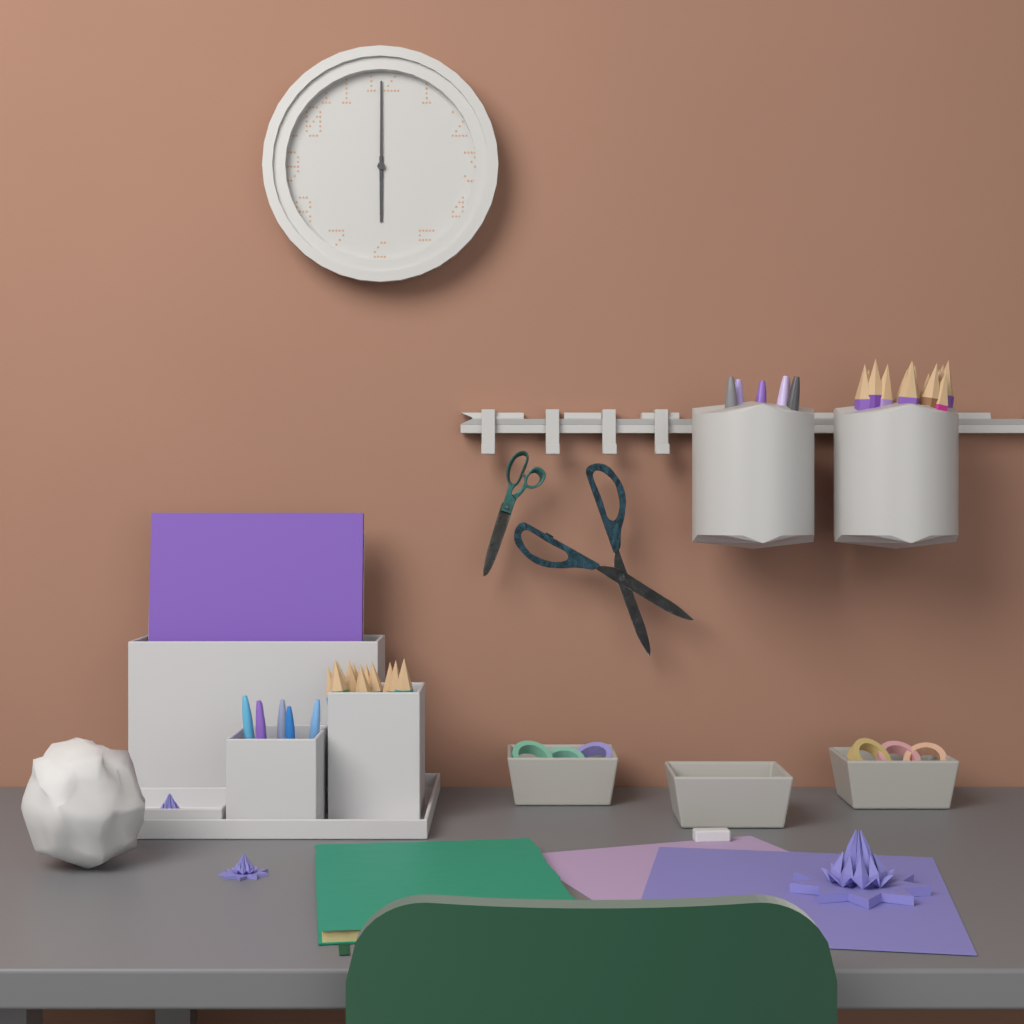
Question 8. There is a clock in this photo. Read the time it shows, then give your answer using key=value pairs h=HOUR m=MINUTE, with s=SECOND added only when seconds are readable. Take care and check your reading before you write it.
h=6 m=0
